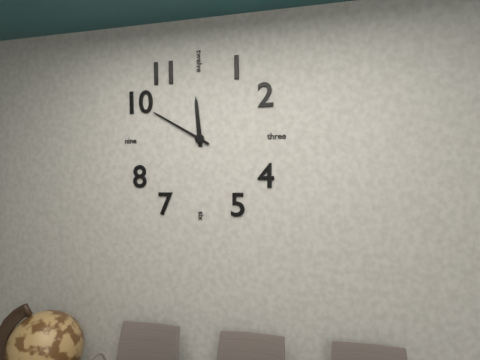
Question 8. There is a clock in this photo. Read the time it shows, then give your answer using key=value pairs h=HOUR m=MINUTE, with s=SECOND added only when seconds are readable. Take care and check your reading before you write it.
h=11 m=50
